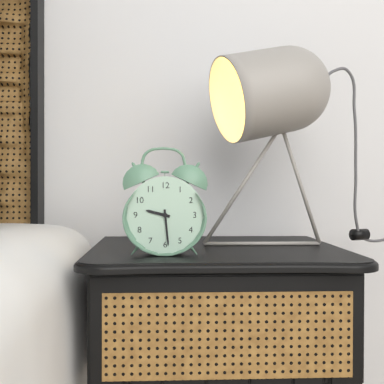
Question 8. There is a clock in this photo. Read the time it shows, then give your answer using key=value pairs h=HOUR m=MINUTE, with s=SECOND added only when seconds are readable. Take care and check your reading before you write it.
h=9 m=29
